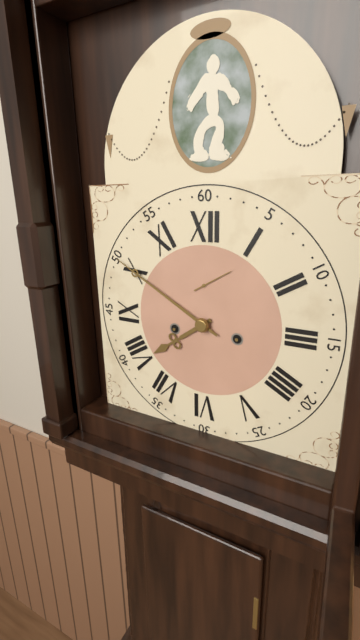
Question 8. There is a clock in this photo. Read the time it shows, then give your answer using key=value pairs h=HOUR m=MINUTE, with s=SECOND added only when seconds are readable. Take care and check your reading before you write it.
h=7 m=50
